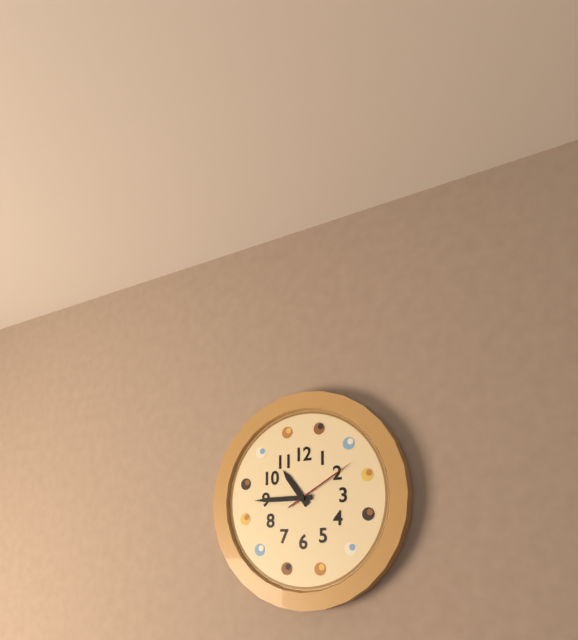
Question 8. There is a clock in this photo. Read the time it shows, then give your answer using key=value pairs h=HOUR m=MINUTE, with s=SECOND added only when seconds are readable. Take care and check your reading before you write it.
h=10 m=45 s=10
